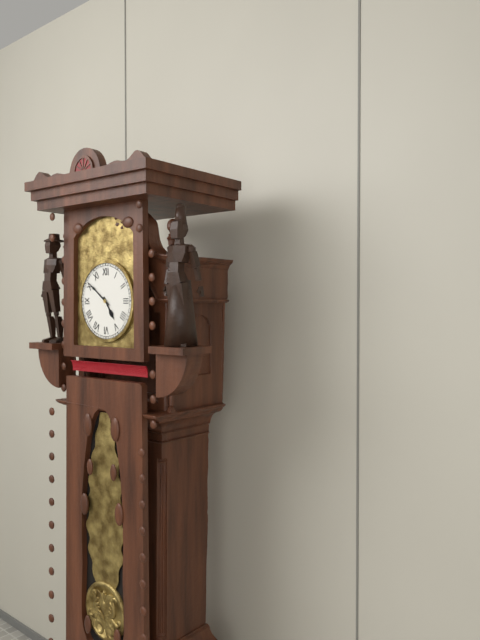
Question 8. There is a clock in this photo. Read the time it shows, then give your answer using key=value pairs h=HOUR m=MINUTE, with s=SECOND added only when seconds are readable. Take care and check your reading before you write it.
h=4 m=51
